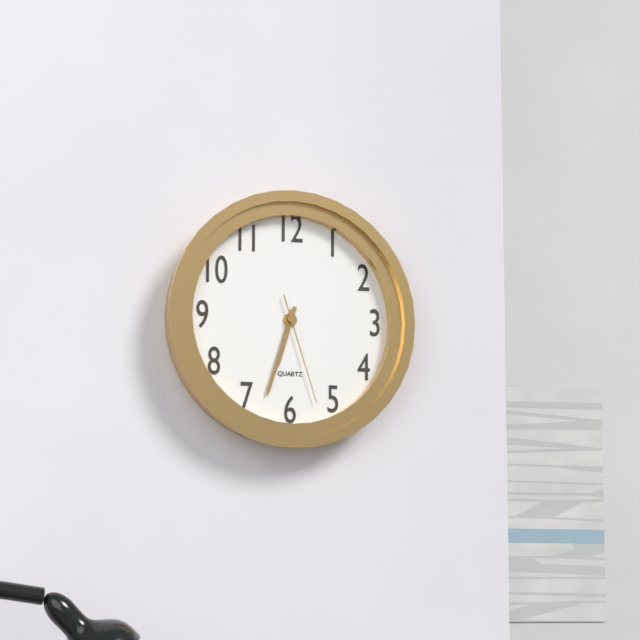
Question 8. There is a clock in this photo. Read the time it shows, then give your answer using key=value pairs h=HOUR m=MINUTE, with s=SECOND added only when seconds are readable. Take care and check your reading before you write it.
h=6 m=33 s=27
